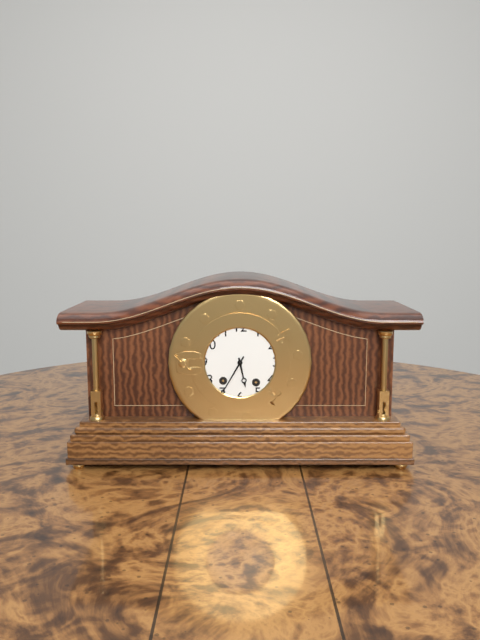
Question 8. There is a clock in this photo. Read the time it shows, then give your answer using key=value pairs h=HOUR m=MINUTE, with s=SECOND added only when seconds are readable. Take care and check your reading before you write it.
h=5 m=35
